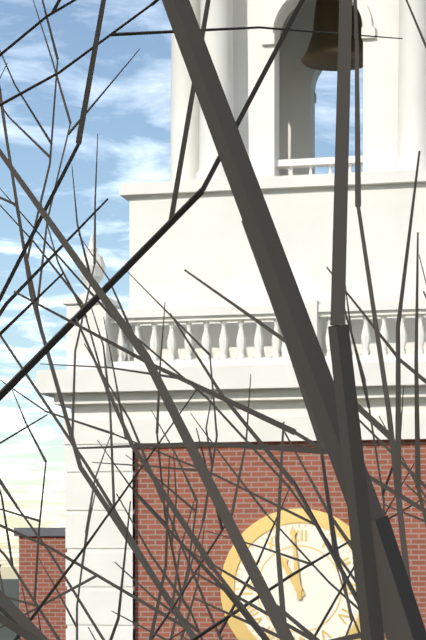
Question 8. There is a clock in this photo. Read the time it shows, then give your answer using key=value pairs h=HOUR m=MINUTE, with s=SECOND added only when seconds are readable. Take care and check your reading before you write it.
h=10 m=59
